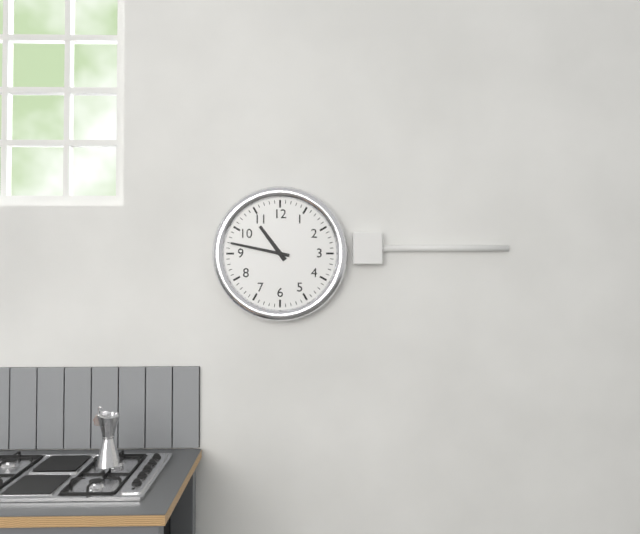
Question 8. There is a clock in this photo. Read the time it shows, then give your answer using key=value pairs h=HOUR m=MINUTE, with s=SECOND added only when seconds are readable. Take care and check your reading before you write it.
h=10 m=47
